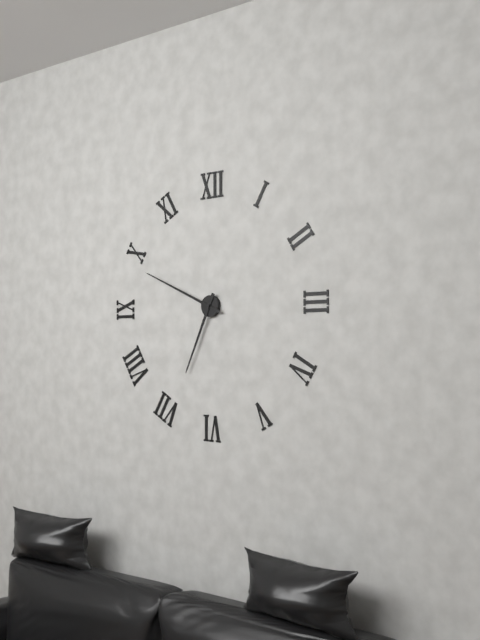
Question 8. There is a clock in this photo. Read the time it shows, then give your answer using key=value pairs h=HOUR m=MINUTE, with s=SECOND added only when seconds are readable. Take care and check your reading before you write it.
h=6 m=49
